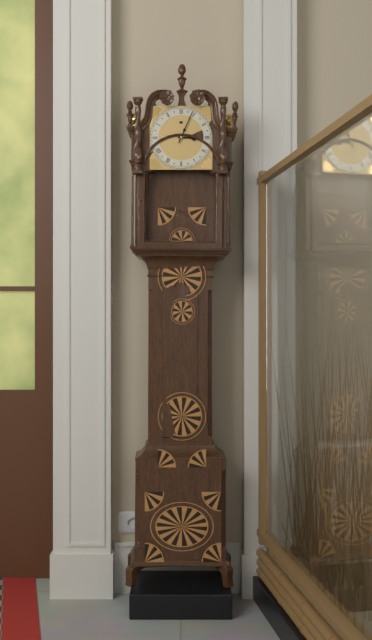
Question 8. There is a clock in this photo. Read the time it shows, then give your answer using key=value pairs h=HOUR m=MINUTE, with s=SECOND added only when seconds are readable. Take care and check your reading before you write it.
h=3 m=4
